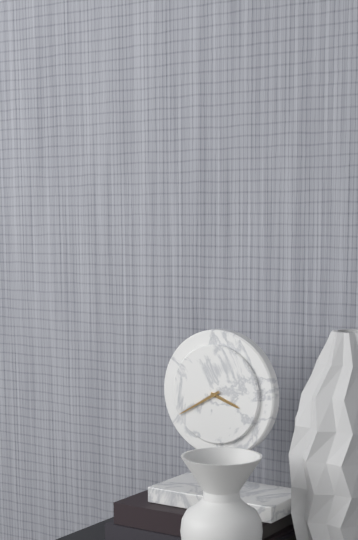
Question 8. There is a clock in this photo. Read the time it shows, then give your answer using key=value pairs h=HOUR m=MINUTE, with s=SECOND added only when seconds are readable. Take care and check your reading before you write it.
h=3 m=40
